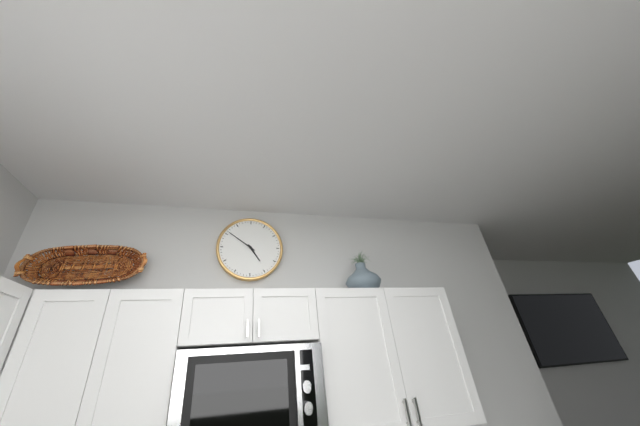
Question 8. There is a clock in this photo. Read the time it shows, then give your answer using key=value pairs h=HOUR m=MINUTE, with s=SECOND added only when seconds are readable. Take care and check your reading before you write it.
h=4 m=51
